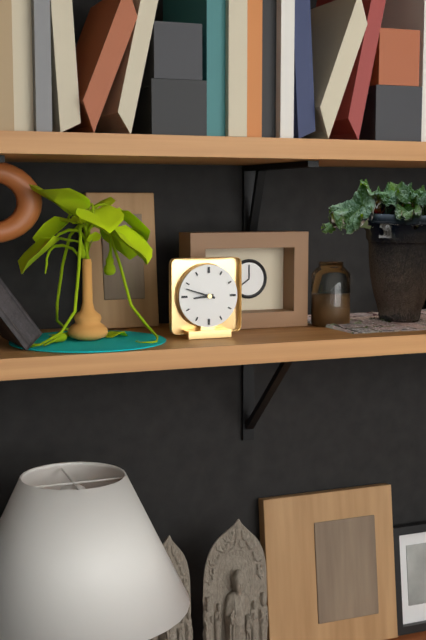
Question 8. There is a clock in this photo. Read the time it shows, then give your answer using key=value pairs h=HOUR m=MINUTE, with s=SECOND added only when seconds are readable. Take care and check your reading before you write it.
h=8 m=48
